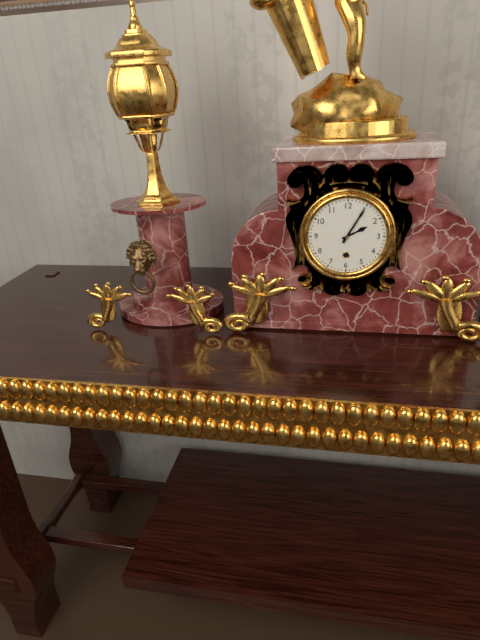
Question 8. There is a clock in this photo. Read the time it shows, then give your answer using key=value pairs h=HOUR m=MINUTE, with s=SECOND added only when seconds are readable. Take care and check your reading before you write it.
h=2 m=5
